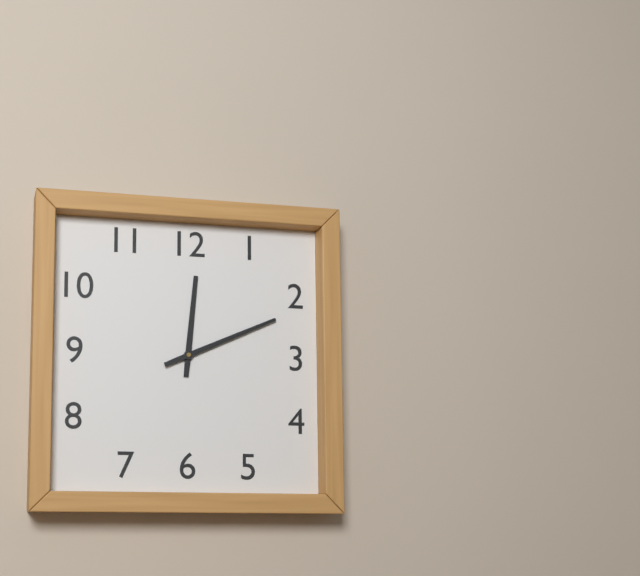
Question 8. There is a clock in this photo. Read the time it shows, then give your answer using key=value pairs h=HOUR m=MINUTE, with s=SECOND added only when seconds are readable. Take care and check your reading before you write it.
h=12 m=11
